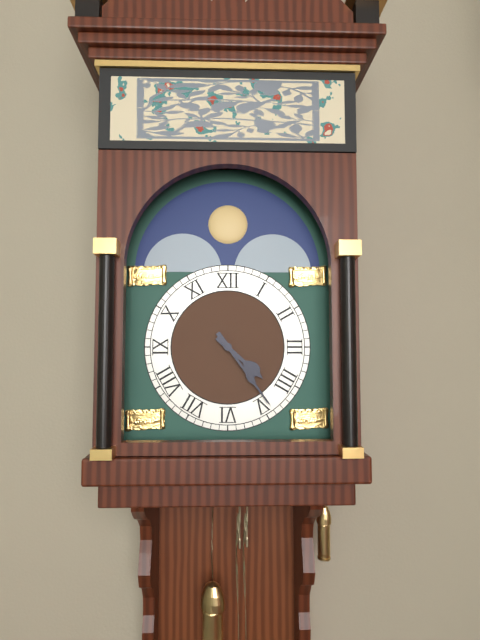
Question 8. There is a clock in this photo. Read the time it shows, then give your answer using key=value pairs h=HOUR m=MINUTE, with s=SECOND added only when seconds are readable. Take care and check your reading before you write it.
h=4 m=24
